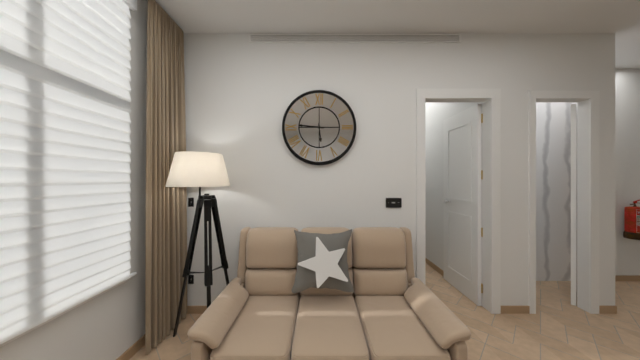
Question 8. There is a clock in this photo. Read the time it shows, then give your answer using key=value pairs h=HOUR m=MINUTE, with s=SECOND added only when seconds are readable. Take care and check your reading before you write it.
h=5 m=46
